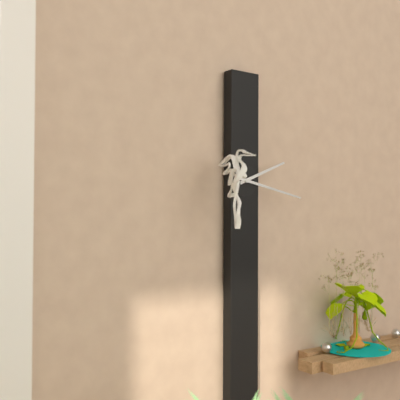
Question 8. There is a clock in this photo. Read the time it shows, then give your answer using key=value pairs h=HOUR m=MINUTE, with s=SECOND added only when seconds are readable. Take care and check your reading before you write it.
h=2 m=17
